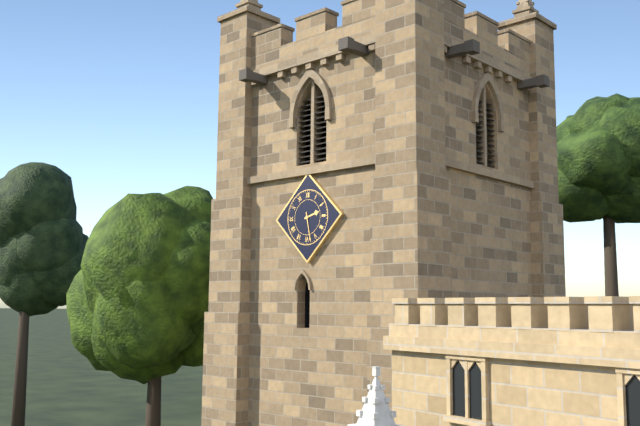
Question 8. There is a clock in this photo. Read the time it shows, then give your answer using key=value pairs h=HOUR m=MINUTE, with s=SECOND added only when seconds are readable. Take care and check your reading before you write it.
h=2 m=28
